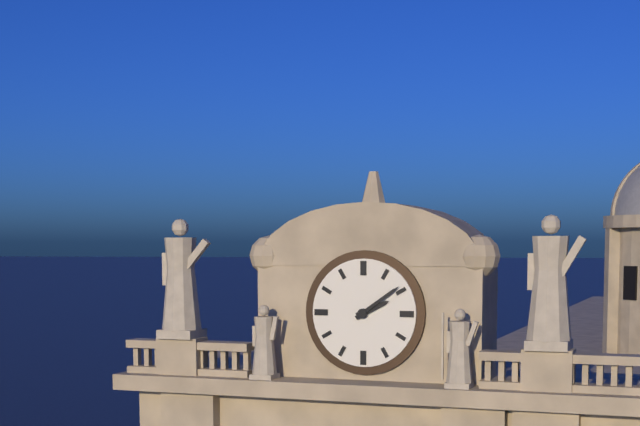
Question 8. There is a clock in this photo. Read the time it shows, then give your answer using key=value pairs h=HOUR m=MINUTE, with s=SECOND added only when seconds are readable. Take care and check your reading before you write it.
h=2 m=9
